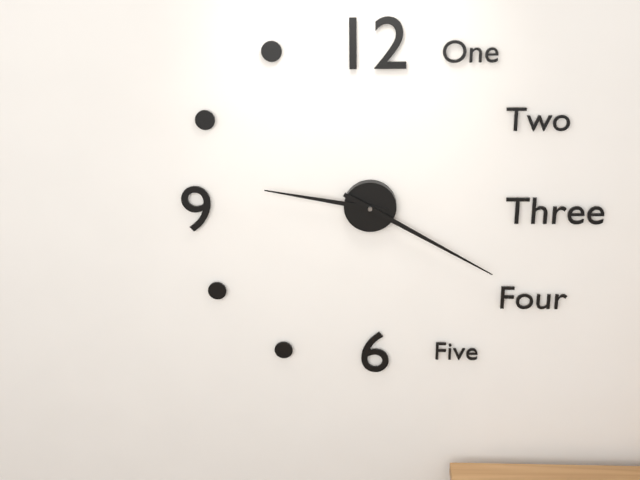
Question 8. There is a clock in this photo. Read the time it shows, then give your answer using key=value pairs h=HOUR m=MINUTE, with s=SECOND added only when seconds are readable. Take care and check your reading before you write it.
h=9 m=20
